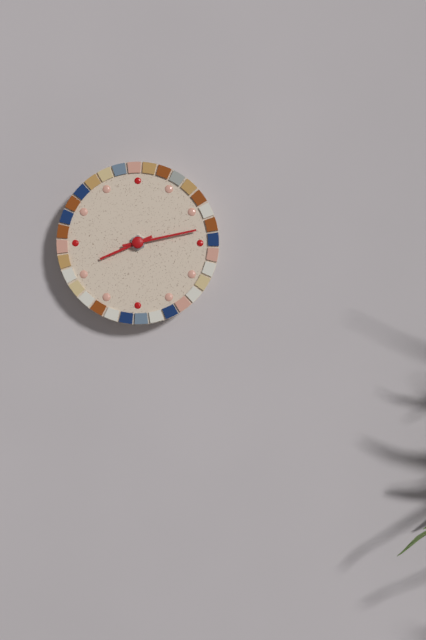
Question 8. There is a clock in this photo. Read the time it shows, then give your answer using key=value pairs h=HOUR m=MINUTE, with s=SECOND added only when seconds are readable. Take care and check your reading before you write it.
h=8 m=13
